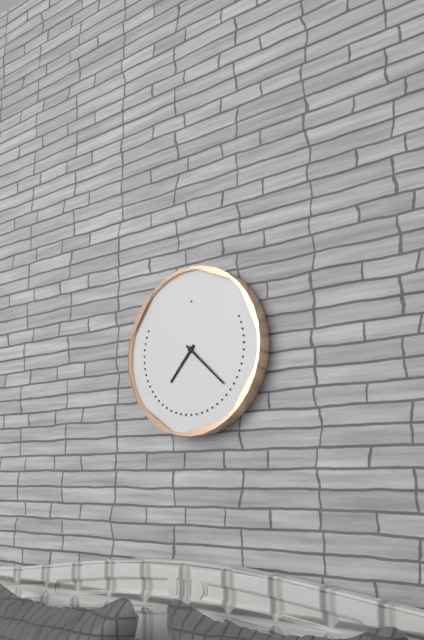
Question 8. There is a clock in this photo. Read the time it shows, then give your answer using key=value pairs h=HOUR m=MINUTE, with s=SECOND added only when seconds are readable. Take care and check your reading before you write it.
h=7 m=22
